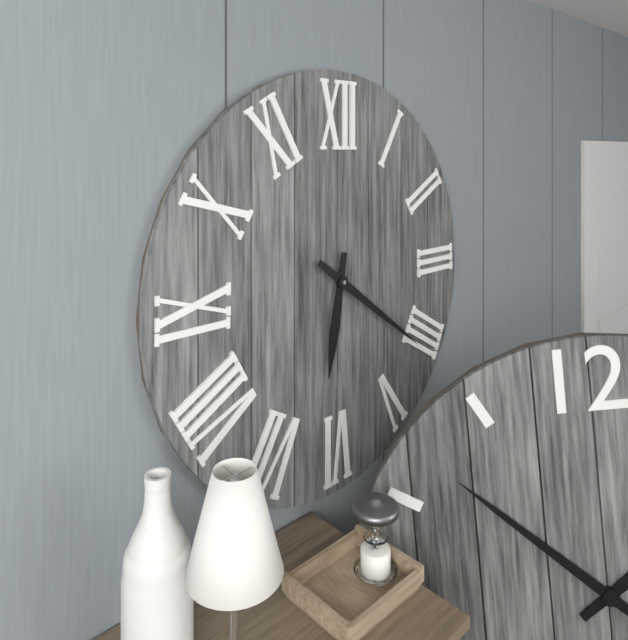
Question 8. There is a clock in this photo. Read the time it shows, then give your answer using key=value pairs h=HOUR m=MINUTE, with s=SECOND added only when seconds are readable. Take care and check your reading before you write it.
h=6 m=21
